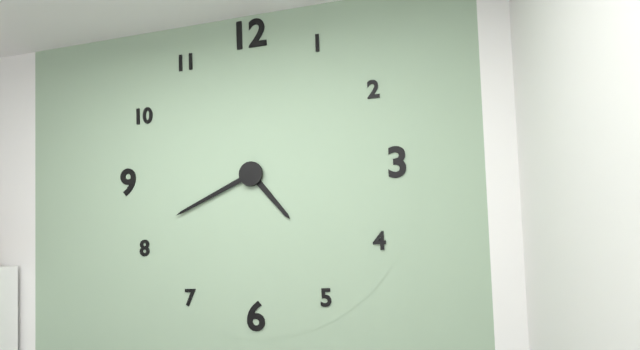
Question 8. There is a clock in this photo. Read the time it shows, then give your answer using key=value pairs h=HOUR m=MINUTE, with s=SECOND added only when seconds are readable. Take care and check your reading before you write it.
h=4 m=41
